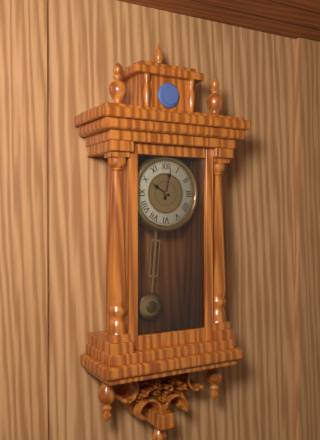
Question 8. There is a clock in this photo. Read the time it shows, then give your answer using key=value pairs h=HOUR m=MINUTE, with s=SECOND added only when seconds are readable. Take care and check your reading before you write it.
h=10 m=2
